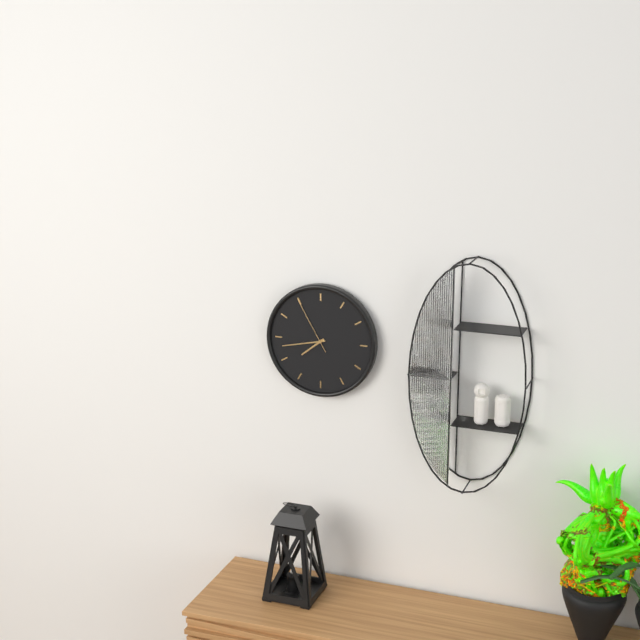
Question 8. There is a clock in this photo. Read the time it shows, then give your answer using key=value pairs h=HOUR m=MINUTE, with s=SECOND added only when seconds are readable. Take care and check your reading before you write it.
h=7 m=43 s=55
